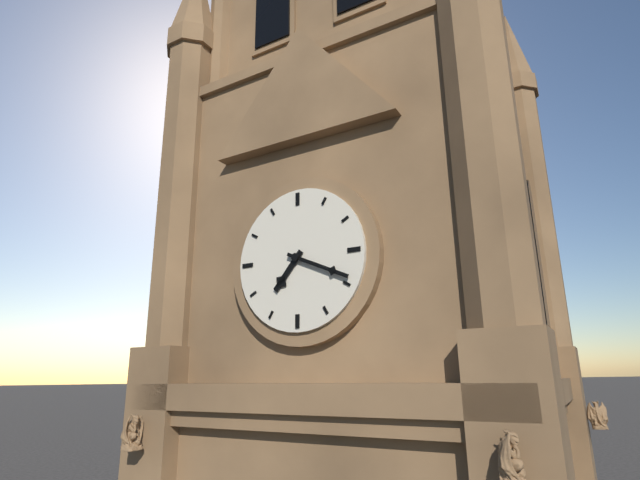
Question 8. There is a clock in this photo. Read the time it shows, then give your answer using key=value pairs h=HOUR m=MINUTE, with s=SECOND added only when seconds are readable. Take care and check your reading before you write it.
h=7 m=19
